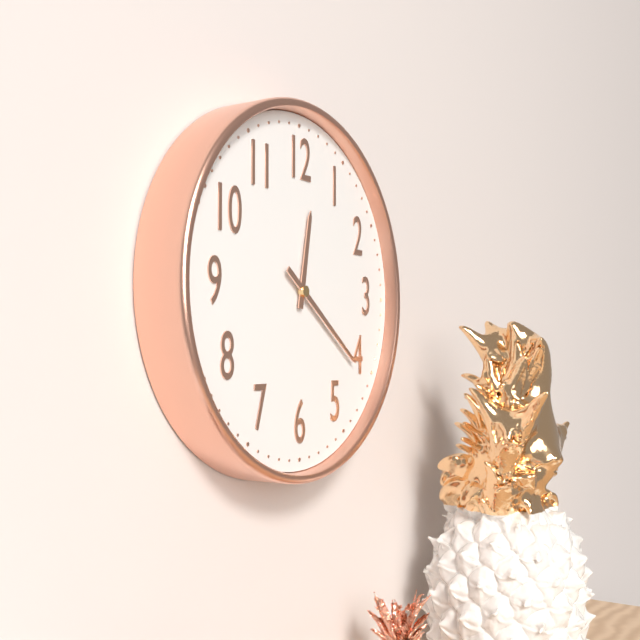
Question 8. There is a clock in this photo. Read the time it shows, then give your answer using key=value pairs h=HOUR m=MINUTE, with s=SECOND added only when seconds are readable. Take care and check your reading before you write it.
h=12 m=21
